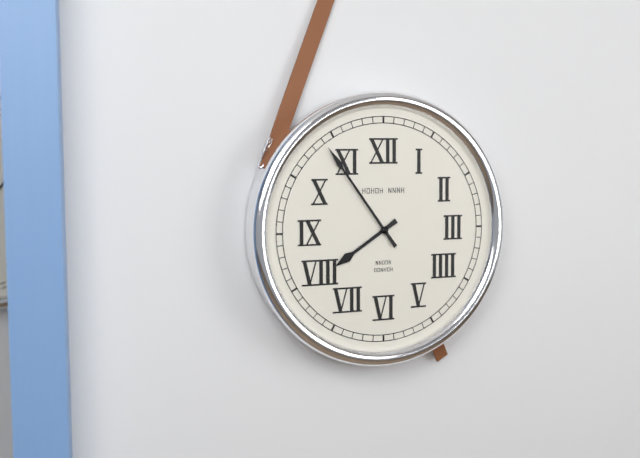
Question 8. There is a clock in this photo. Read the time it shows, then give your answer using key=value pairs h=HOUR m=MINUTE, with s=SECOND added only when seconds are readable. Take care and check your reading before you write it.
h=7 m=54
